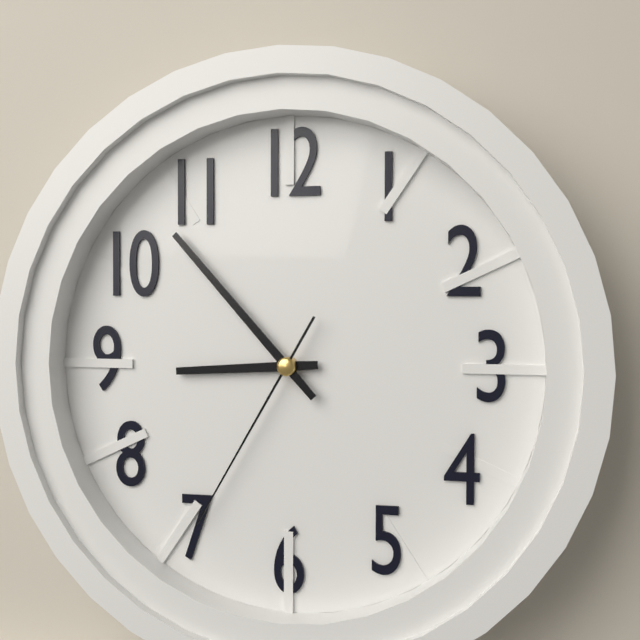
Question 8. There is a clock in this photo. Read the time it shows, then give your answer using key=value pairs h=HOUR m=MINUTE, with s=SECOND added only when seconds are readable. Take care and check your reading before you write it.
h=8 m=53 s=35
